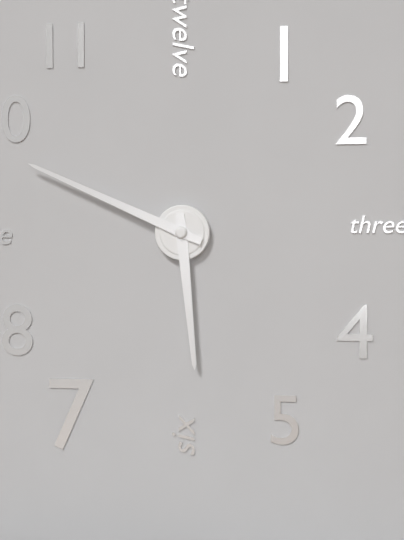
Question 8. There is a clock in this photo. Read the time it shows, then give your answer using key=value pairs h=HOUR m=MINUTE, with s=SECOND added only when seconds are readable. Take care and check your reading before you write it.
h=5 m=49
